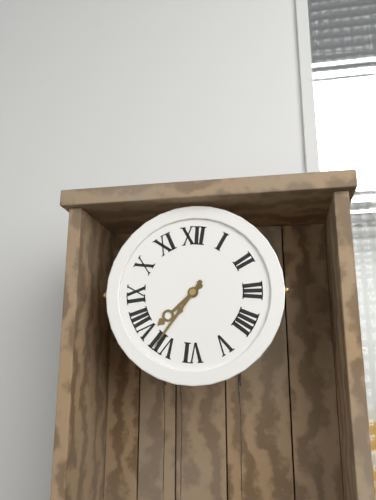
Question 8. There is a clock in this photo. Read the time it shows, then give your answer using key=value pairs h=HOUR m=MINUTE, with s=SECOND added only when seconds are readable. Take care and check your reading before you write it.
h=7 m=36
